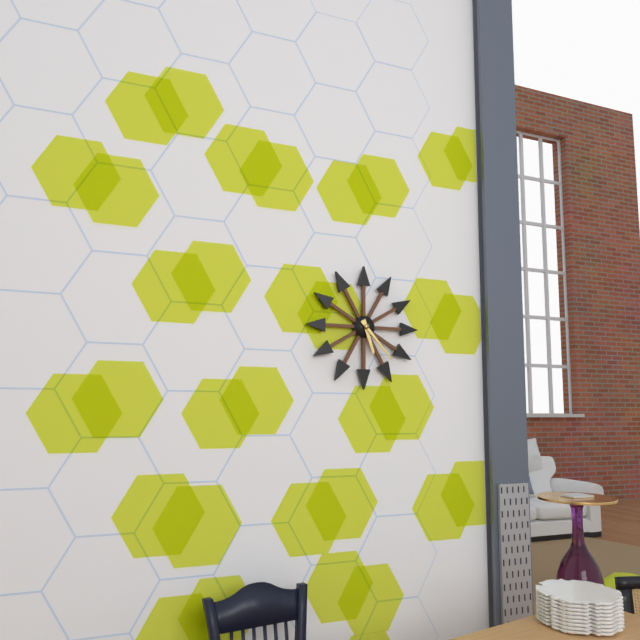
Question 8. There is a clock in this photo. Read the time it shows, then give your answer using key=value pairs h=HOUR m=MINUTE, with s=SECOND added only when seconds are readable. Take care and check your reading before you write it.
h=5 m=23
